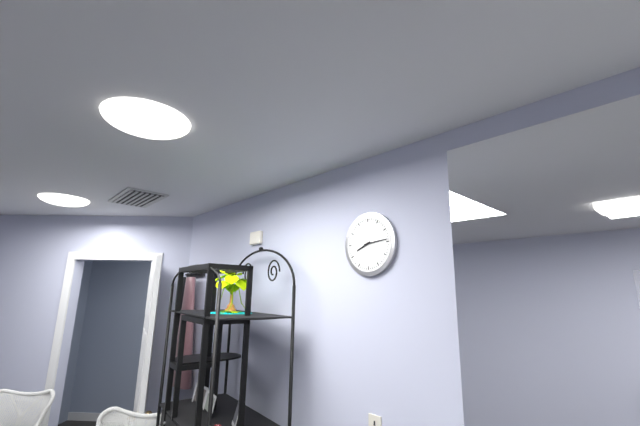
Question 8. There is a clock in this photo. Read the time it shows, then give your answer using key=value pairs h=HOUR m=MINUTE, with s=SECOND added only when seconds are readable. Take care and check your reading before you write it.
h=8 m=14
